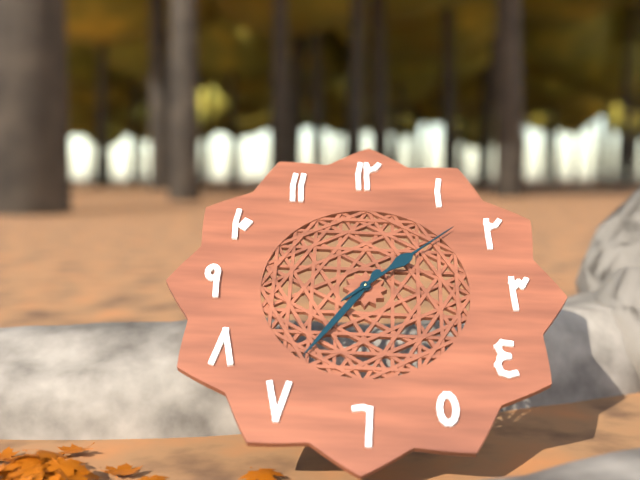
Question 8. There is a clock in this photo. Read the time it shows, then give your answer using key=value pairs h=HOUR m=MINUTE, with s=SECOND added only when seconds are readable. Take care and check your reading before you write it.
h=7 m=8
